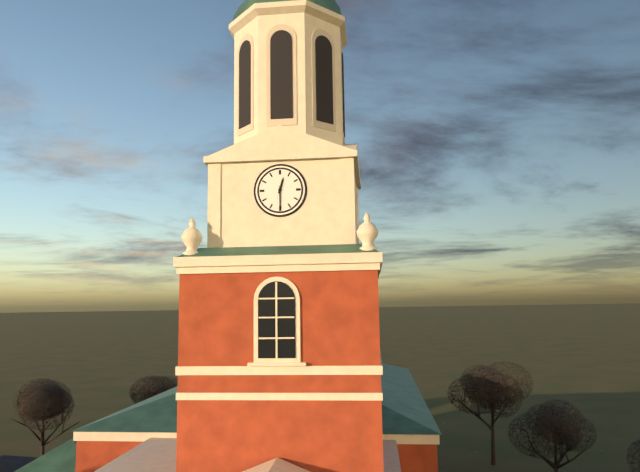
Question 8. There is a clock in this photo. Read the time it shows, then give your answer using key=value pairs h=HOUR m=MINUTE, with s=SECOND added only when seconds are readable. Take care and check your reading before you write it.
h=12 m=30
